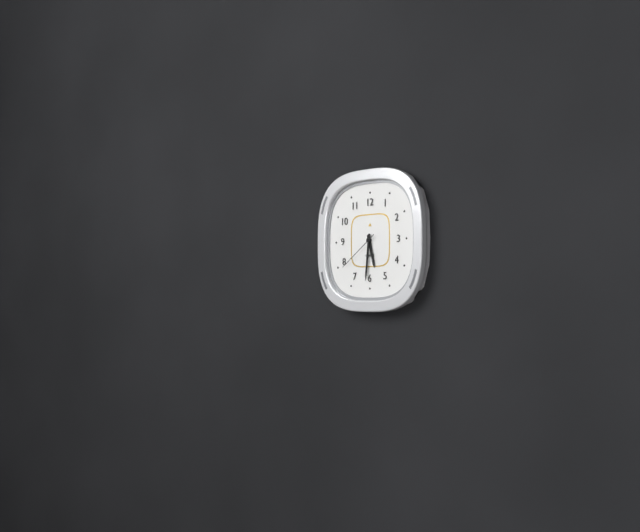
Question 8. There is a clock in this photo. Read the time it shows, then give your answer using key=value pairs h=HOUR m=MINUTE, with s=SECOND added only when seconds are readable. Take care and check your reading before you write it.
h=5 m=31
